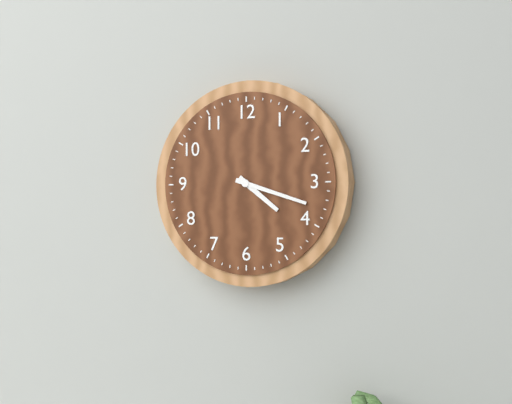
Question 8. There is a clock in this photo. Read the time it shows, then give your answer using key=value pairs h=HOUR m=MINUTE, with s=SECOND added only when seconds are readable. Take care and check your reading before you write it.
h=4 m=18
